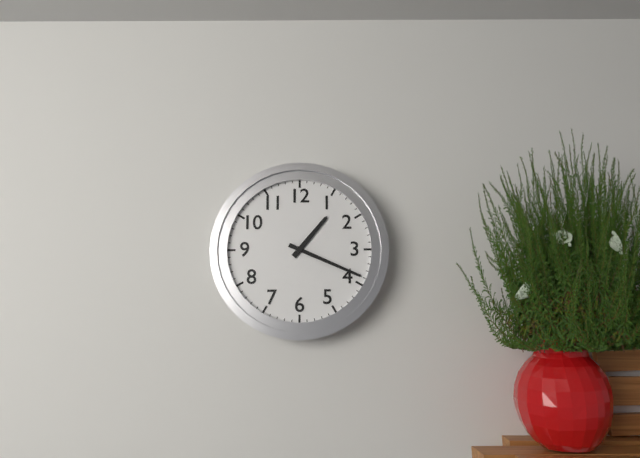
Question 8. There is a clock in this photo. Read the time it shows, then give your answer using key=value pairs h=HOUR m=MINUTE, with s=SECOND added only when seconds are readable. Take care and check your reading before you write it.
h=1 m=19
